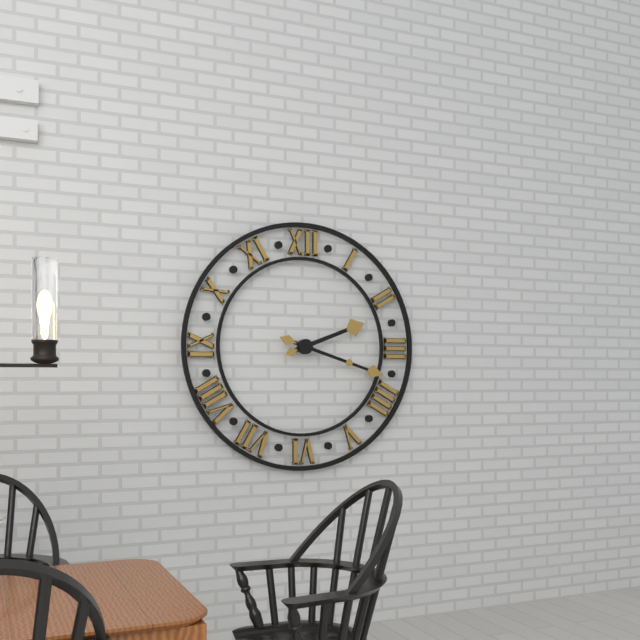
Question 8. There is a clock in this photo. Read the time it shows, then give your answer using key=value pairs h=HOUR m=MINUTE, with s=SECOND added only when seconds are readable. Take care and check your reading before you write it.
h=2 m=18
